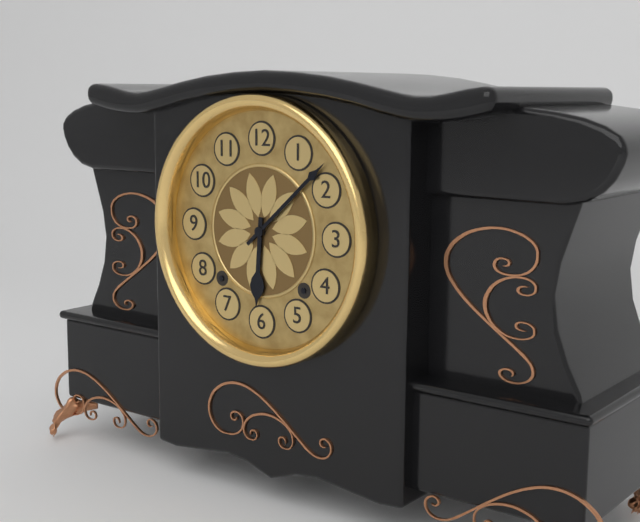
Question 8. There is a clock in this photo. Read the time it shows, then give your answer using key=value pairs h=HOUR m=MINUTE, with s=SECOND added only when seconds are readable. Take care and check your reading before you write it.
h=6 m=8
